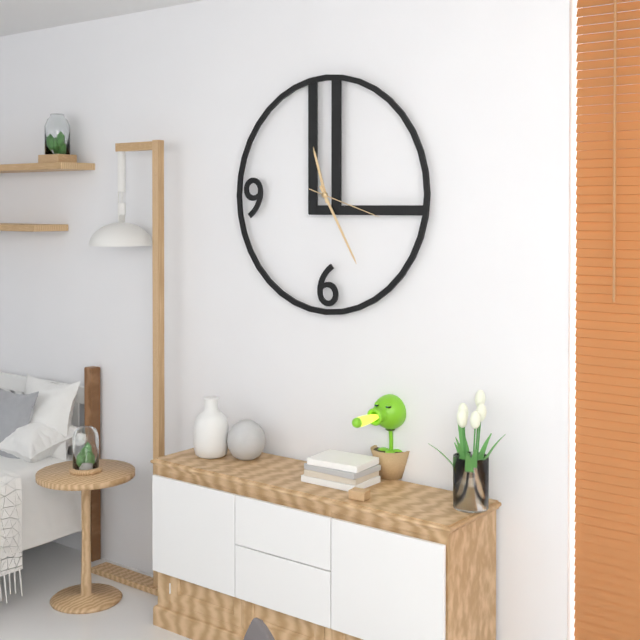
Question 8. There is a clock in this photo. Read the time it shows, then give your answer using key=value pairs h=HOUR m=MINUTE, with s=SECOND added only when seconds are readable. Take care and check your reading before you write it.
h=11 m=25 s=18
